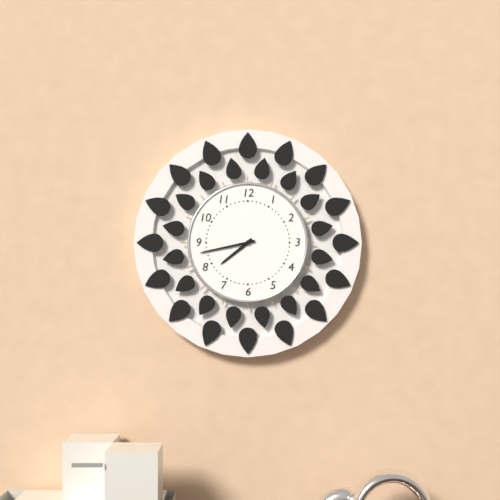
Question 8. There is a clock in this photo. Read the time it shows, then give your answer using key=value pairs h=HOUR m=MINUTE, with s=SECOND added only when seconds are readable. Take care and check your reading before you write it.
h=7 m=43
